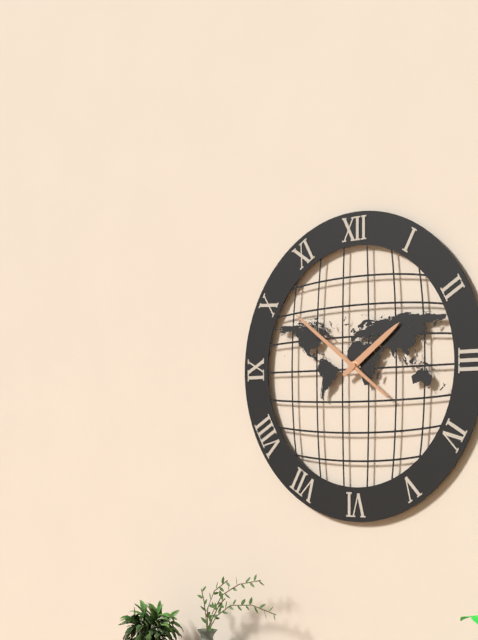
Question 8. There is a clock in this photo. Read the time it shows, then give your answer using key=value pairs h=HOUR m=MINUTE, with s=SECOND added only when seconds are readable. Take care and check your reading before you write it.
h=1 m=51
